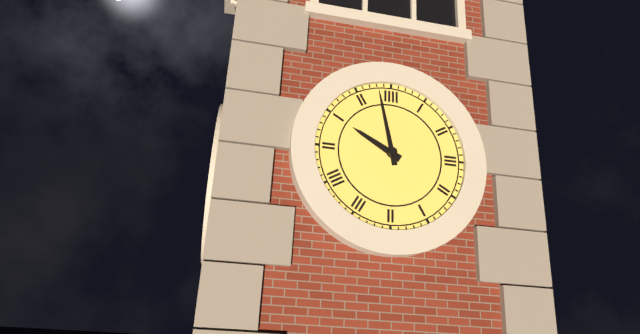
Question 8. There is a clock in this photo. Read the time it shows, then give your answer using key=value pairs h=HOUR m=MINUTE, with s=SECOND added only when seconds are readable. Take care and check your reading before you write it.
h=9 m=58
